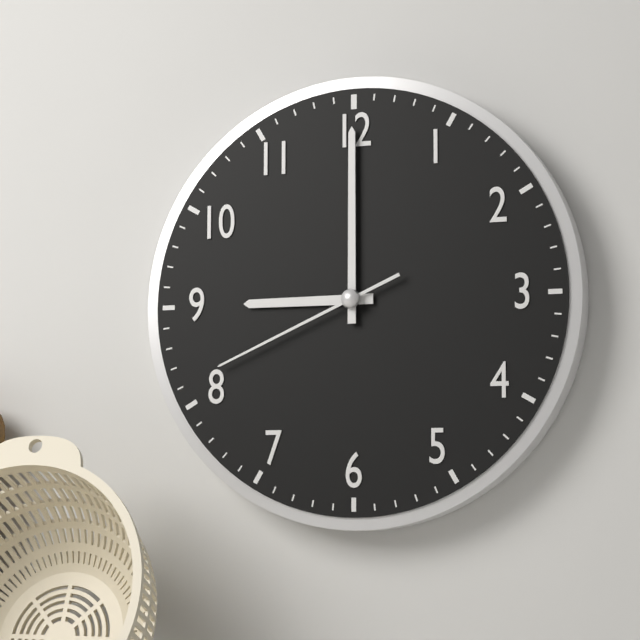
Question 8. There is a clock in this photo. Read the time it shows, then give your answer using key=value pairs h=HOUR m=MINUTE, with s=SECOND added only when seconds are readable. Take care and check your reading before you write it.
h=9 m=0 s=41
